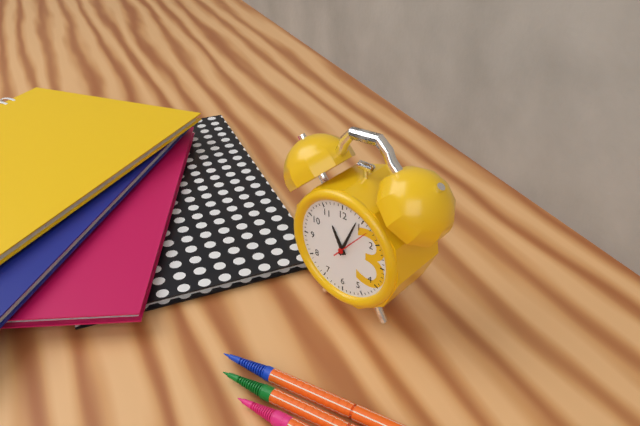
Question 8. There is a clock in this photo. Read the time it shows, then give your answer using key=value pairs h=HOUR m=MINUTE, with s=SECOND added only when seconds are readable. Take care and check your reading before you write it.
h=11 m=4
